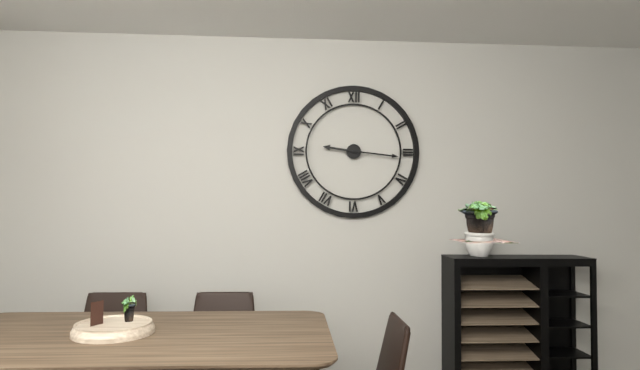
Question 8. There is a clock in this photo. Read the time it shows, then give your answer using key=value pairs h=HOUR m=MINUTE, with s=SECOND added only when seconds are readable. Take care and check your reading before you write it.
h=9 m=16
